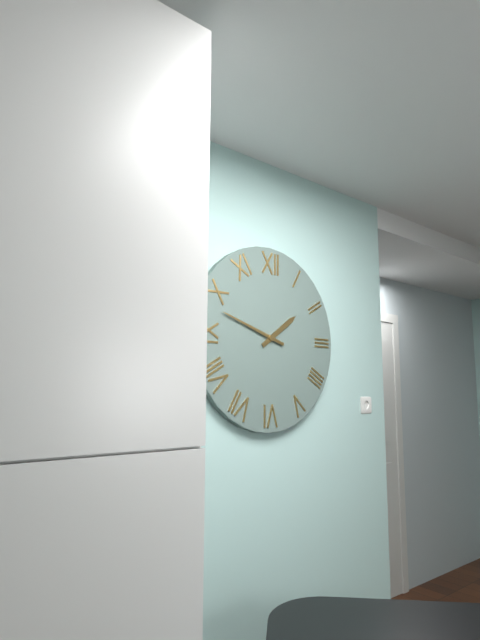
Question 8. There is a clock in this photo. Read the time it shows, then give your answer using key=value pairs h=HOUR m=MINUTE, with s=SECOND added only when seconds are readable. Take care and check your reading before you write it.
h=1 m=48
